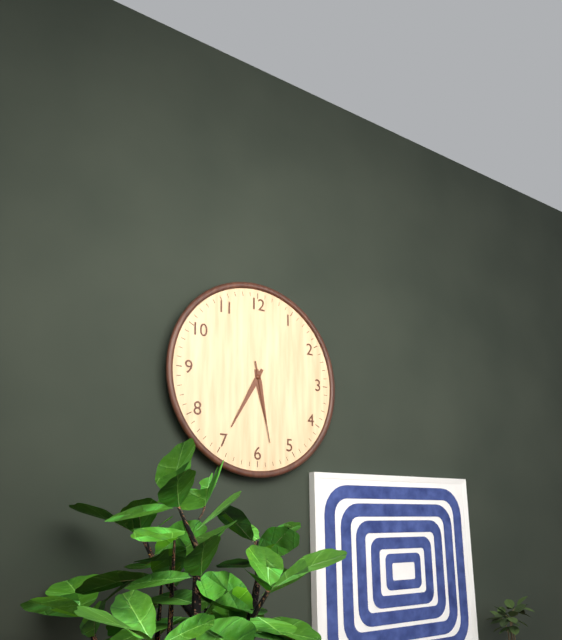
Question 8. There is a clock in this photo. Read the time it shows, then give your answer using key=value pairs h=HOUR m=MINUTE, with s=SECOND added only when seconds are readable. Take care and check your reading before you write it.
h=5 m=35 s=28
